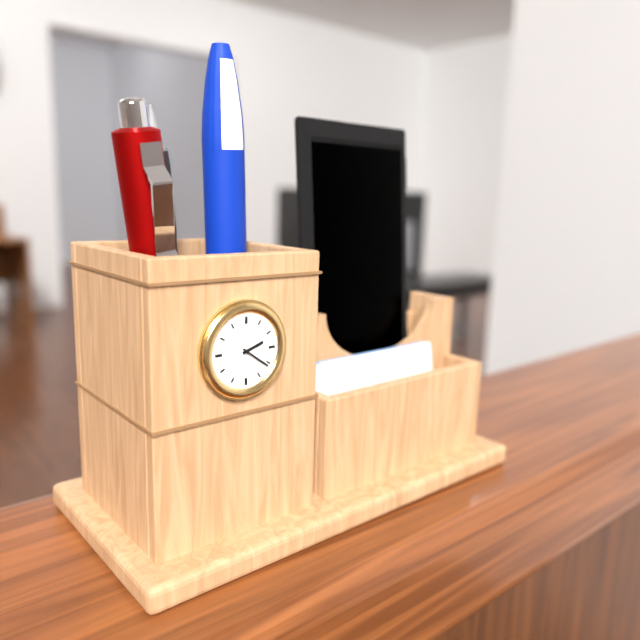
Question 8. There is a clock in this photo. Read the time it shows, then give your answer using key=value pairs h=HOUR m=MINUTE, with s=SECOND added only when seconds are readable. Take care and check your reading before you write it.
h=2 m=21
